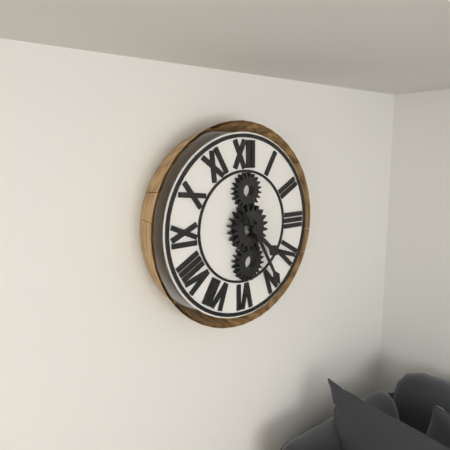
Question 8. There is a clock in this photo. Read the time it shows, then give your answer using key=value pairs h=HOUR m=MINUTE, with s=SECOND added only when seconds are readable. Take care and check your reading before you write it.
h=4 m=25
